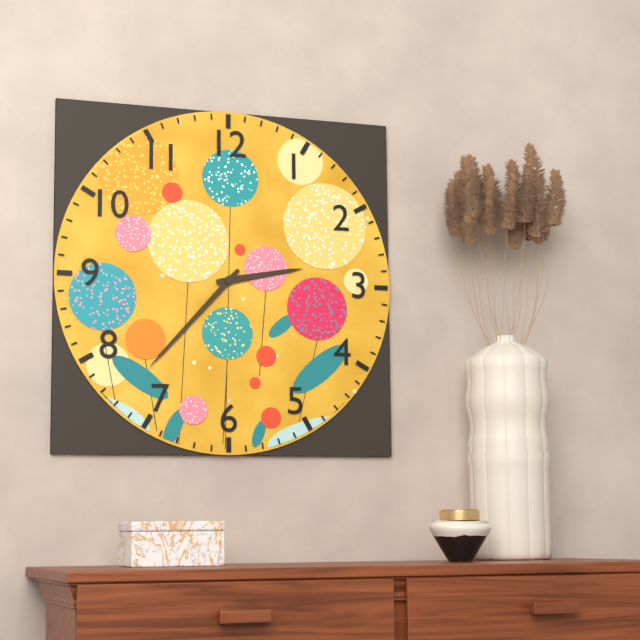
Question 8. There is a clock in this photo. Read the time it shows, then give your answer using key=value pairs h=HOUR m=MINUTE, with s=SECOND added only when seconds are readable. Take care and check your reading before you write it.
h=2 m=37
